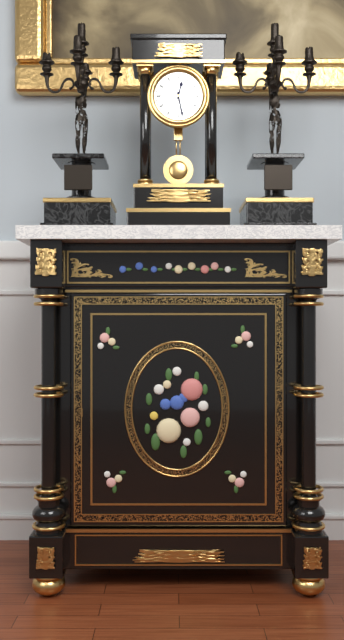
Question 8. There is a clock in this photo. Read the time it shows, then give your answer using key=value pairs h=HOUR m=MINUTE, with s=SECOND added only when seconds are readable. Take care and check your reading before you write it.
h=12 m=28
